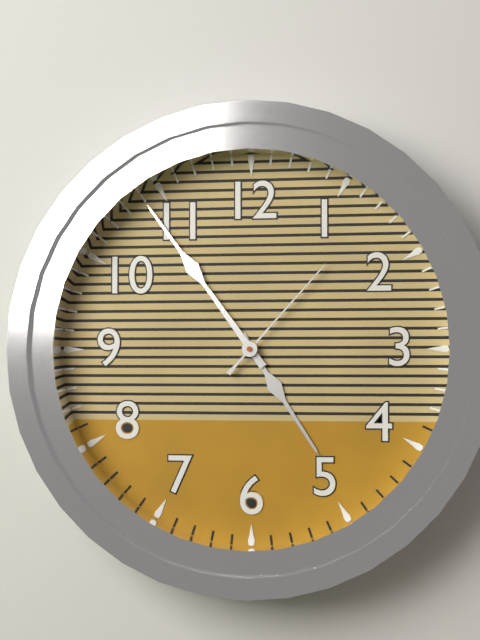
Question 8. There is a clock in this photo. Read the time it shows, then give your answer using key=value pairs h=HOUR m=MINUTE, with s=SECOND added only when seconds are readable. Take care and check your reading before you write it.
h=4 m=54 s=7
